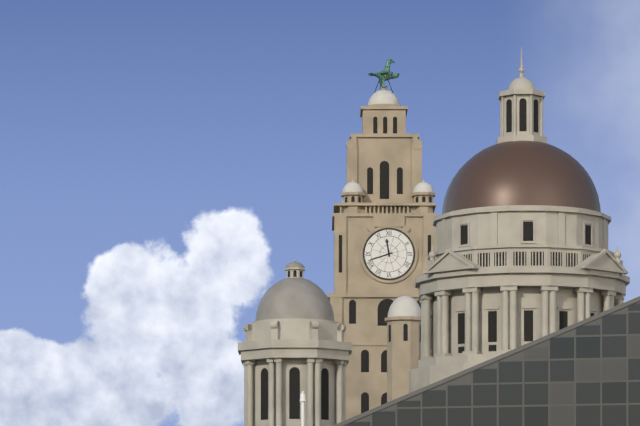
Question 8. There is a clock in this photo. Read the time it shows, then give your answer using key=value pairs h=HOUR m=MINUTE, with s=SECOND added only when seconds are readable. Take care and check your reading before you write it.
h=11 m=42
